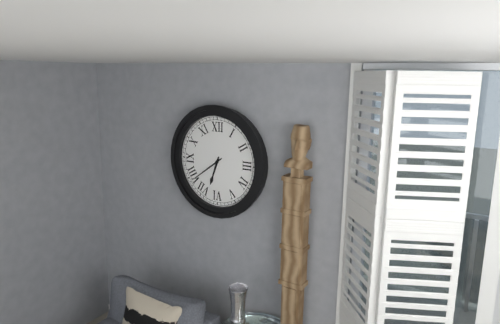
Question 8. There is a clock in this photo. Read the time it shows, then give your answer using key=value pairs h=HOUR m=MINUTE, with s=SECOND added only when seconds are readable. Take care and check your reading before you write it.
h=6 m=39
